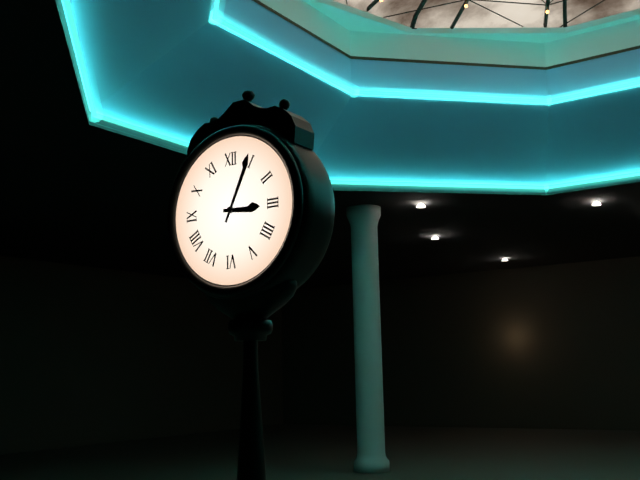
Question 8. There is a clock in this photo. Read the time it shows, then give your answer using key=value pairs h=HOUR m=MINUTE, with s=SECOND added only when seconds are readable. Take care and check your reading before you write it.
h=3 m=4
